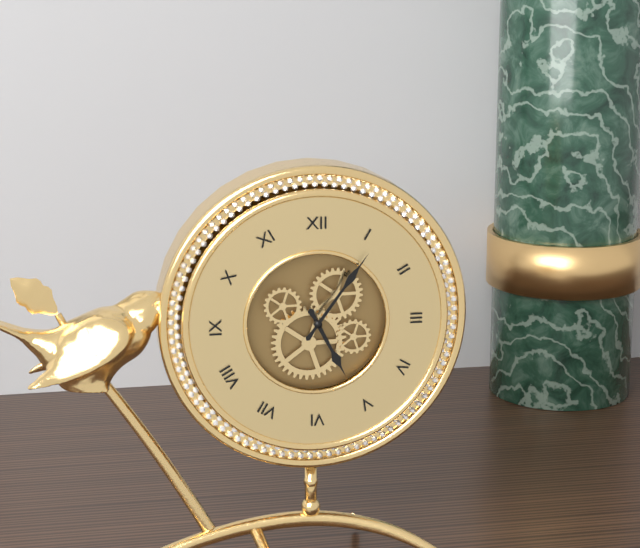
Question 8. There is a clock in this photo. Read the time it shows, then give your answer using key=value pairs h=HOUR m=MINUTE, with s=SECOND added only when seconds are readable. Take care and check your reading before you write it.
h=5 m=6
